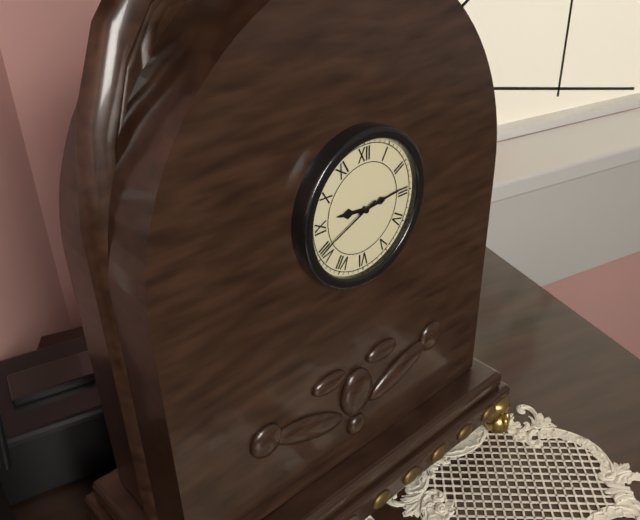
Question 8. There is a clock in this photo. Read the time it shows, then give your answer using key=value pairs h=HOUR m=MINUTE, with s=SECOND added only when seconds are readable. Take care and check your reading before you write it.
h=9 m=14 s=41
